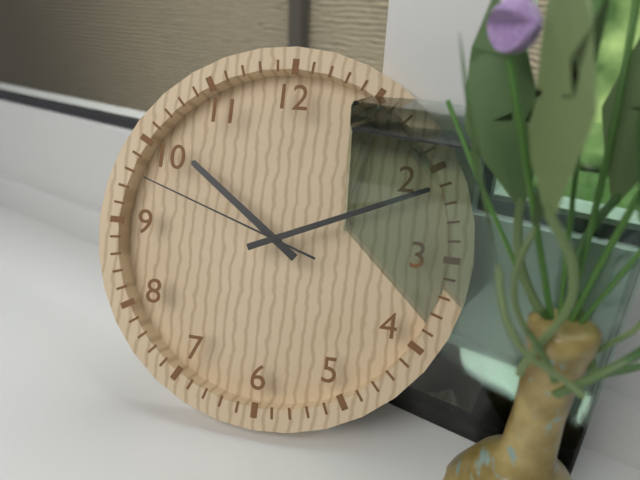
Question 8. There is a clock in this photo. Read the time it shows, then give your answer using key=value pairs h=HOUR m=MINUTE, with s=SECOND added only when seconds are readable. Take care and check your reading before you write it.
h=10 m=11 s=48
